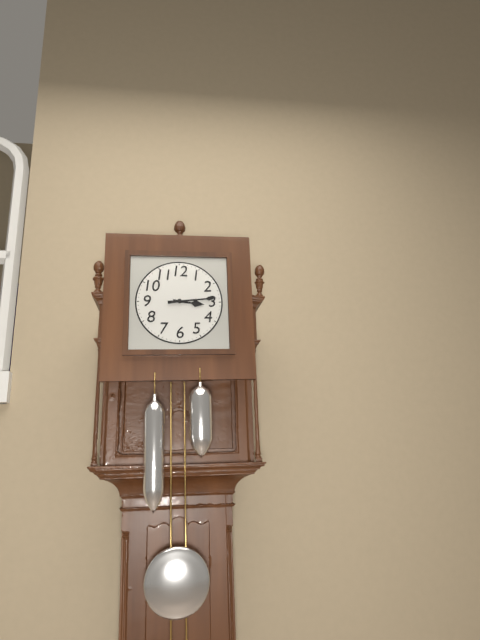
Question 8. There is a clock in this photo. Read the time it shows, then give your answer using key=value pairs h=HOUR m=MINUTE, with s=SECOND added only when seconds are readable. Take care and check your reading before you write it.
h=3 m=14
